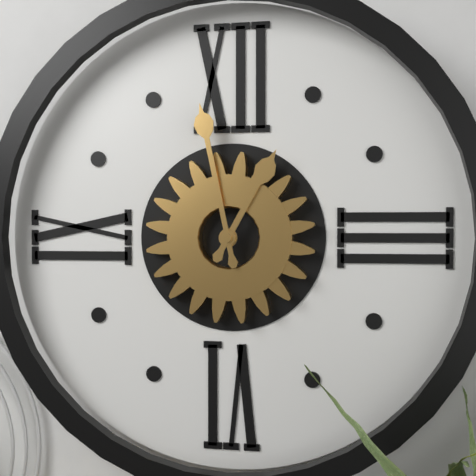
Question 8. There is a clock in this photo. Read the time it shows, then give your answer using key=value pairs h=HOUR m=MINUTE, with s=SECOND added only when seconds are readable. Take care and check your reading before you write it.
h=12 m=58
